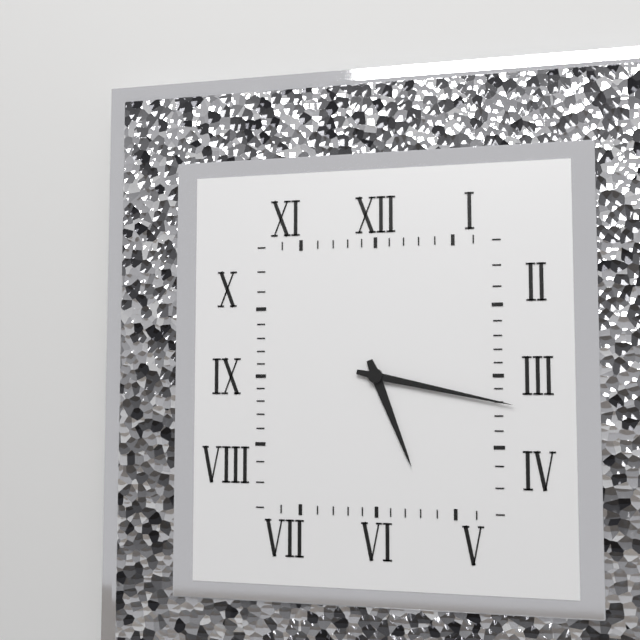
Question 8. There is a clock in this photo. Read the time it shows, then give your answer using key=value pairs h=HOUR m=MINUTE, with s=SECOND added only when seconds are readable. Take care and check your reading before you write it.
h=5 m=17
